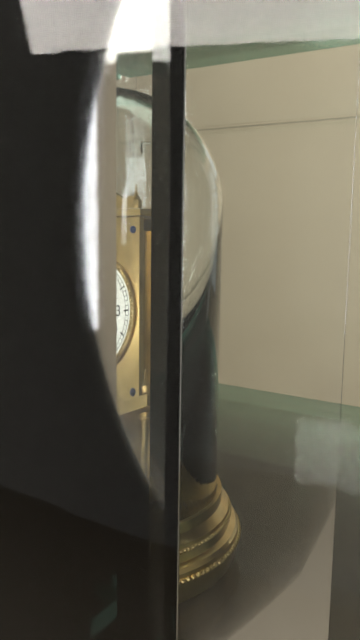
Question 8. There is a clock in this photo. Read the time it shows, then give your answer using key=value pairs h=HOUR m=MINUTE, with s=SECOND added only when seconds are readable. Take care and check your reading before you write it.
h=11 m=43
